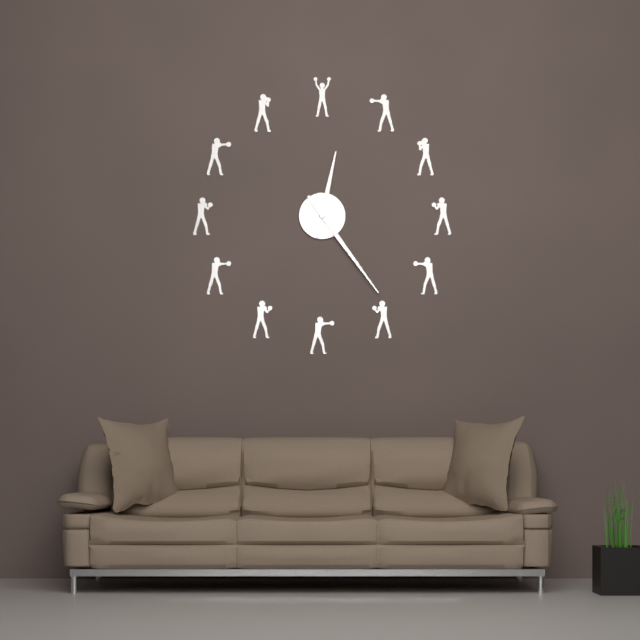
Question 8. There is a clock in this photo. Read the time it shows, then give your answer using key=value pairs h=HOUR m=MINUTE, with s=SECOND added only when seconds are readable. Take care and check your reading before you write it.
h=12 m=24
